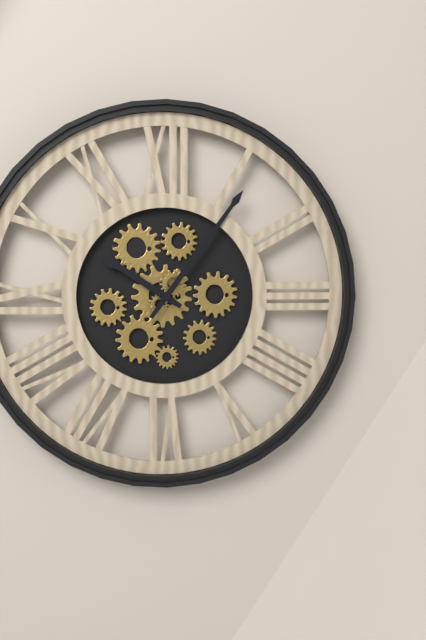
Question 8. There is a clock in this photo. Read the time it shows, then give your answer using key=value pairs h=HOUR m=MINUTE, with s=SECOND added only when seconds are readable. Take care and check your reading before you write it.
h=10 m=6
